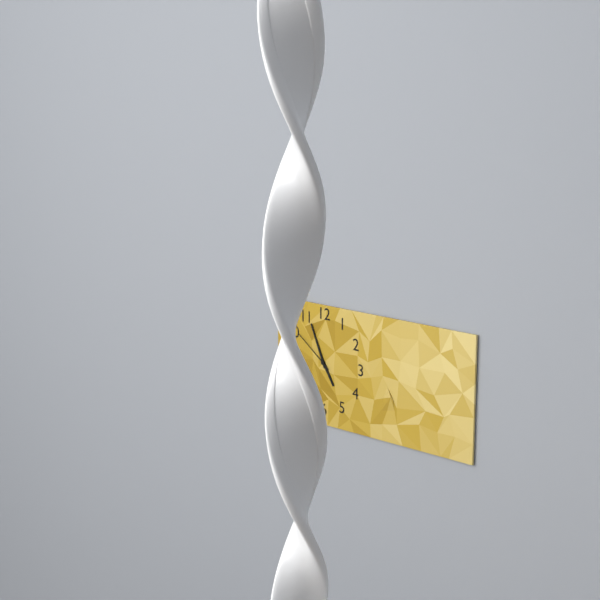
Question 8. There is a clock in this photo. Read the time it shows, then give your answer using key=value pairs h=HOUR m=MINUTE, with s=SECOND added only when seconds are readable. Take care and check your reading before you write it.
h=4 m=56
